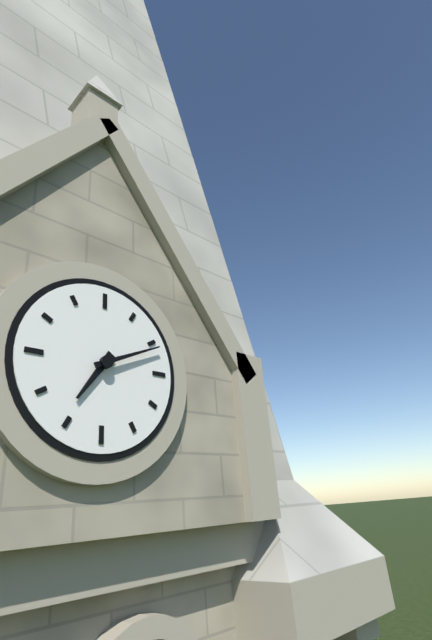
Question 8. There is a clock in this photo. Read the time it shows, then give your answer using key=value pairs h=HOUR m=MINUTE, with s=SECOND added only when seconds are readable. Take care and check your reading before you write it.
h=7 m=11
